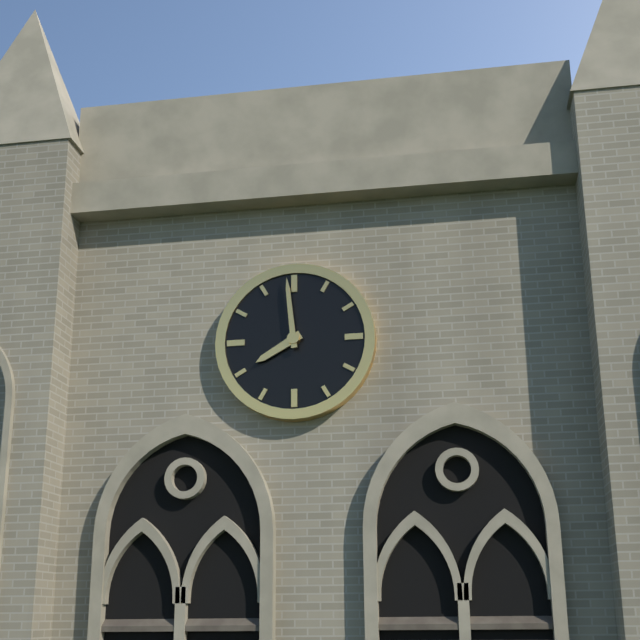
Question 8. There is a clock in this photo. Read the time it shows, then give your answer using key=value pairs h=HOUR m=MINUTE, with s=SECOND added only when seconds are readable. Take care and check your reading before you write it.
h=7 m=59
